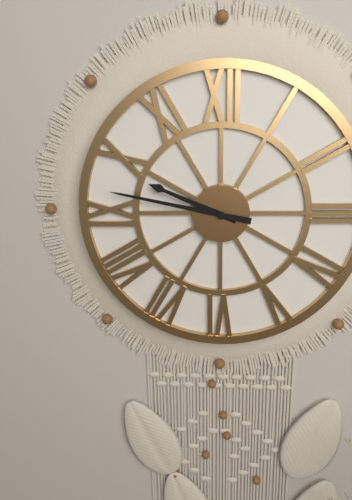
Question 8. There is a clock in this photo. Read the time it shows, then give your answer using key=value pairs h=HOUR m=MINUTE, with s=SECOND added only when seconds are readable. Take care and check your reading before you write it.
h=9 m=47
